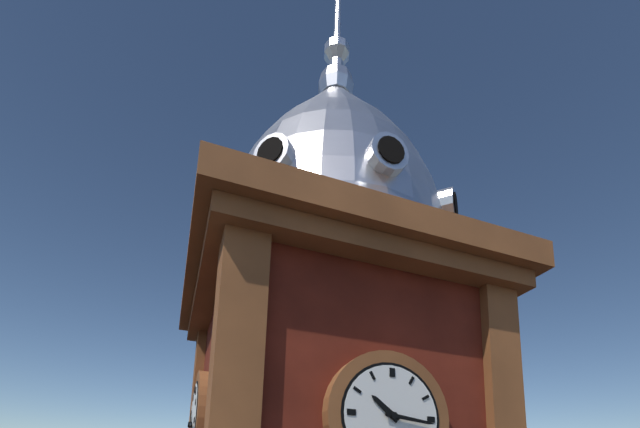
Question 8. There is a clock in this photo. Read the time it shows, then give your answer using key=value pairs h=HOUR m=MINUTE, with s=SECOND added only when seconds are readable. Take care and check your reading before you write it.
h=10 m=16
